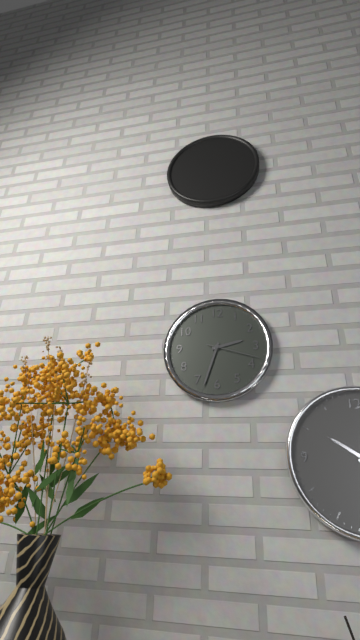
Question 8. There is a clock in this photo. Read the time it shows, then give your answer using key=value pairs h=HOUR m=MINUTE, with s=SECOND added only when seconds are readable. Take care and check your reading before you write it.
h=2 m=33 s=18
